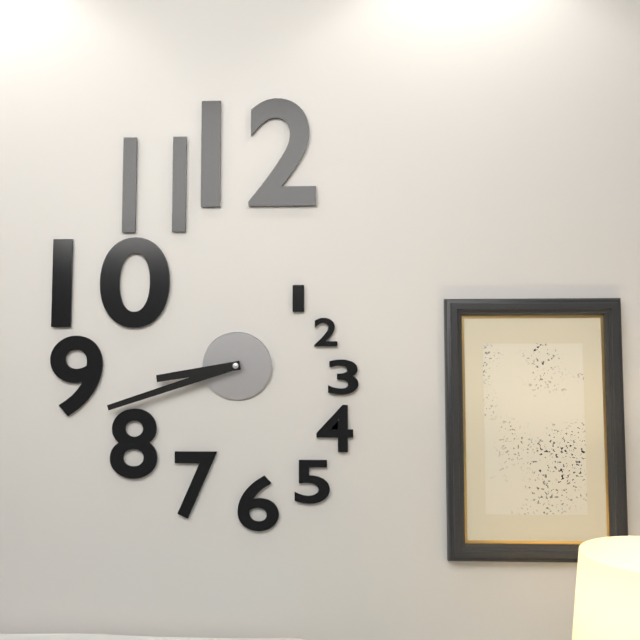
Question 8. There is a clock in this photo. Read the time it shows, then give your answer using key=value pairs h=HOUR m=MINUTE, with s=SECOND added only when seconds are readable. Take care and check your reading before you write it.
h=8 m=42
